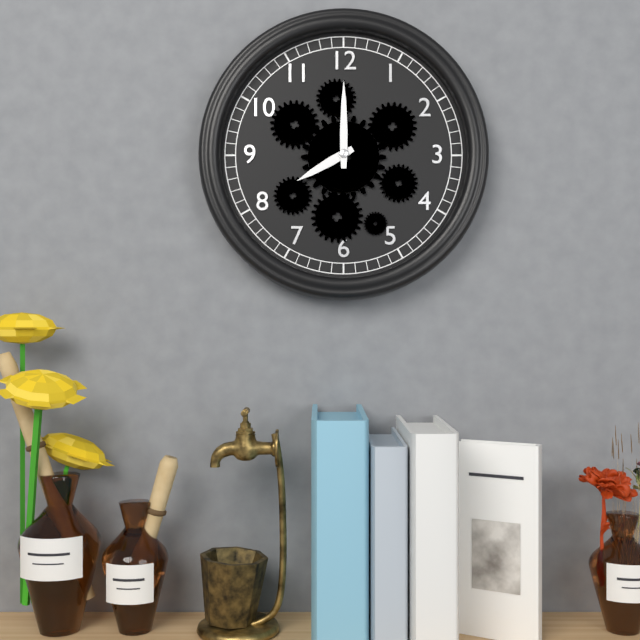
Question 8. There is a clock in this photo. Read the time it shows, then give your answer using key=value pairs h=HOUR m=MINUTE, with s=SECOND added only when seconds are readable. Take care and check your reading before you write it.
h=8 m=0
